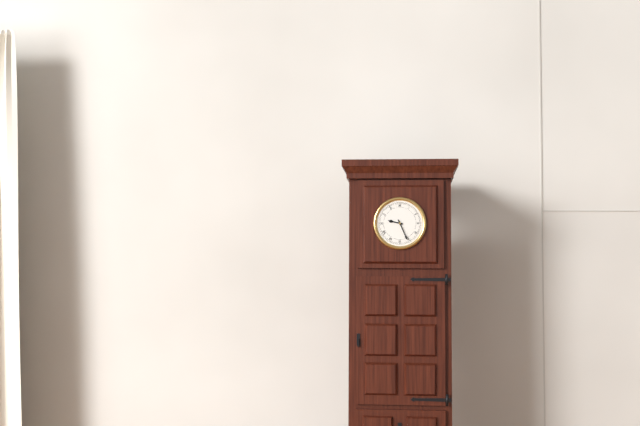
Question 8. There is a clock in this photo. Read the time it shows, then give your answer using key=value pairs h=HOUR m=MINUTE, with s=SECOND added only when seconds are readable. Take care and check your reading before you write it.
h=9 m=26
